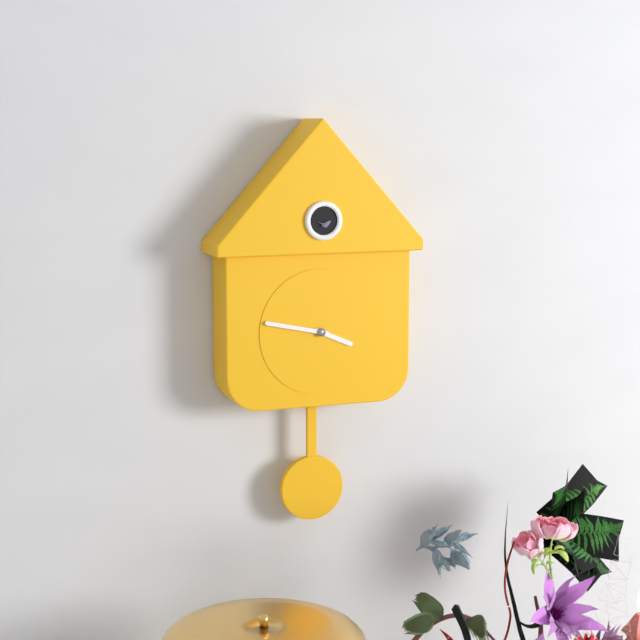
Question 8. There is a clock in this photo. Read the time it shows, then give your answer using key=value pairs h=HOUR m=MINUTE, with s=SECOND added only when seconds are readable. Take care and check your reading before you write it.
h=3 m=47
